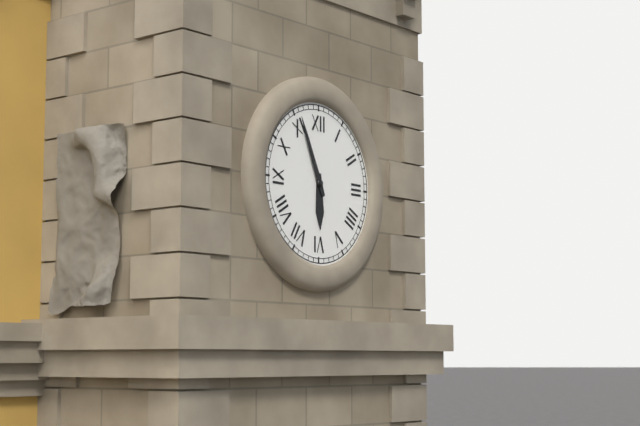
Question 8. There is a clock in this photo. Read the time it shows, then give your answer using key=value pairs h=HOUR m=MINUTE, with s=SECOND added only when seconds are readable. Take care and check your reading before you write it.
h=5 m=56
